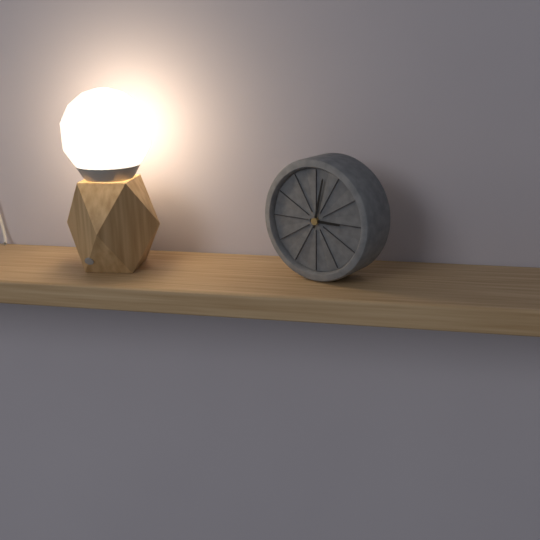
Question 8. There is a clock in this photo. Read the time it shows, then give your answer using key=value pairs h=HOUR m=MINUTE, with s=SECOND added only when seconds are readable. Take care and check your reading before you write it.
h=3 m=2
